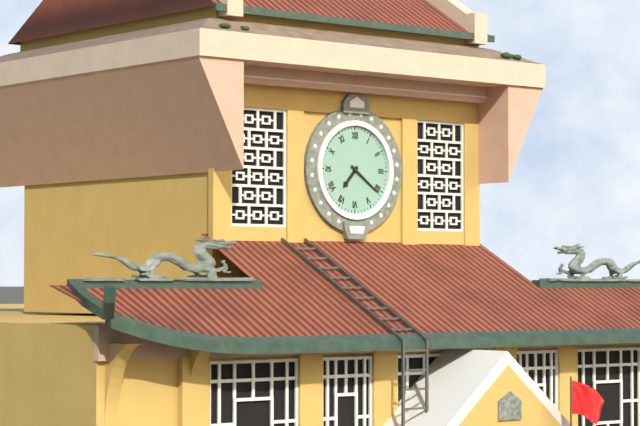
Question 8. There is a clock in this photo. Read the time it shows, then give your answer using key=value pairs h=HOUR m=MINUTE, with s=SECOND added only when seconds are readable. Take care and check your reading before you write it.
h=7 m=21
